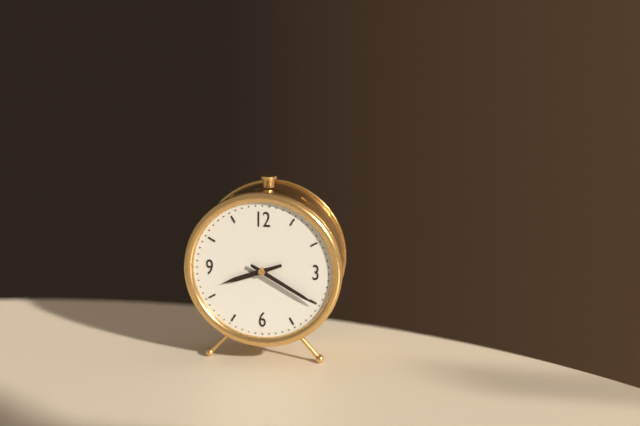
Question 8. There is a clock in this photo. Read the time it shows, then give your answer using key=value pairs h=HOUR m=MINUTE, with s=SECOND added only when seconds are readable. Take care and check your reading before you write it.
h=8 m=20
